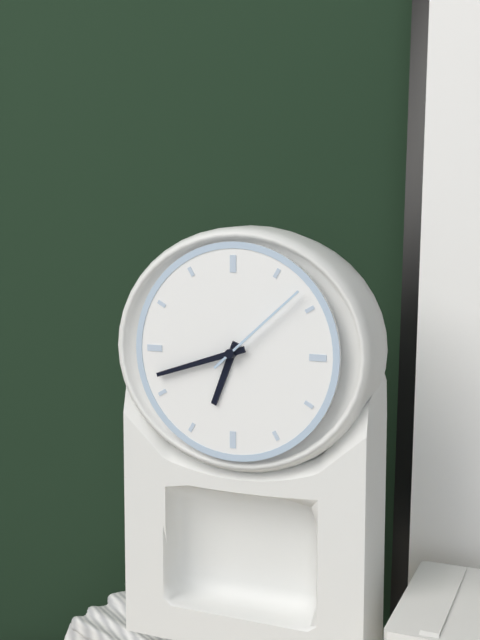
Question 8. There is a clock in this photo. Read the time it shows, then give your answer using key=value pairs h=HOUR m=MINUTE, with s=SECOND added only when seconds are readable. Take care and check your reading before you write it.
h=6 m=42 s=8
